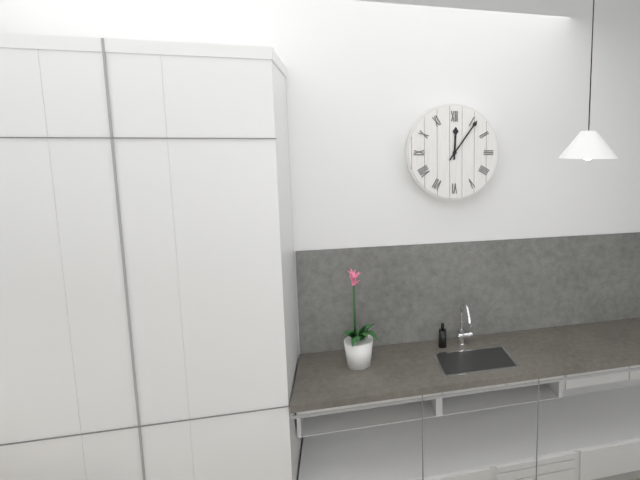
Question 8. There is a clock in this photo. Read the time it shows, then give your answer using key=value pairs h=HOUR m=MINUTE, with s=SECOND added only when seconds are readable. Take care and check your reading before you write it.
h=12 m=6
